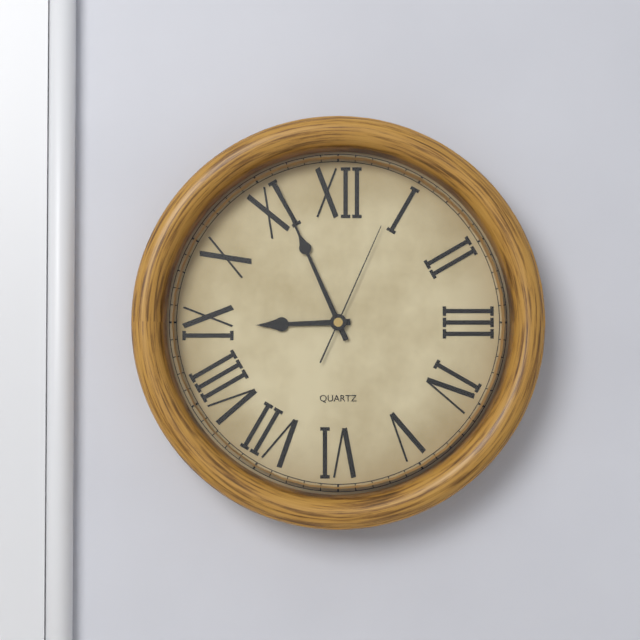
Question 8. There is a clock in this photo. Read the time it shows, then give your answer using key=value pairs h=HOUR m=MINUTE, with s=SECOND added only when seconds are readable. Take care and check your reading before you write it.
h=8 m=56 s=4
